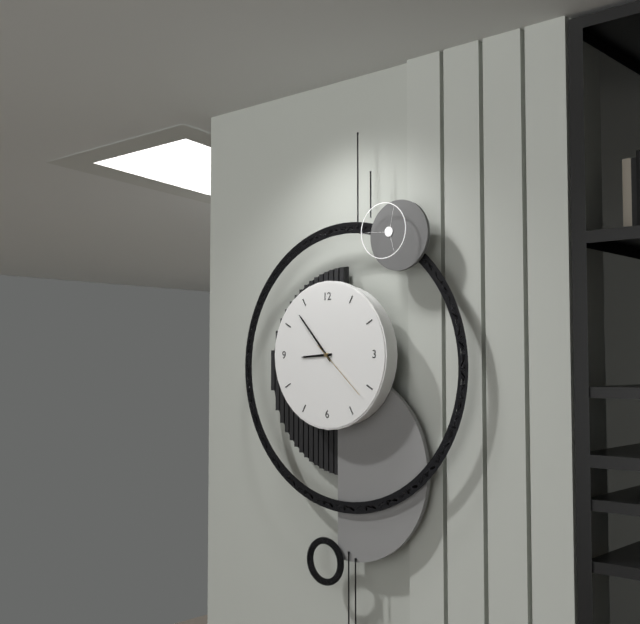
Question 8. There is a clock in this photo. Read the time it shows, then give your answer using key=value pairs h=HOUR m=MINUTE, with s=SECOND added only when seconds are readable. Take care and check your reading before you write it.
h=8 m=53 s=22
